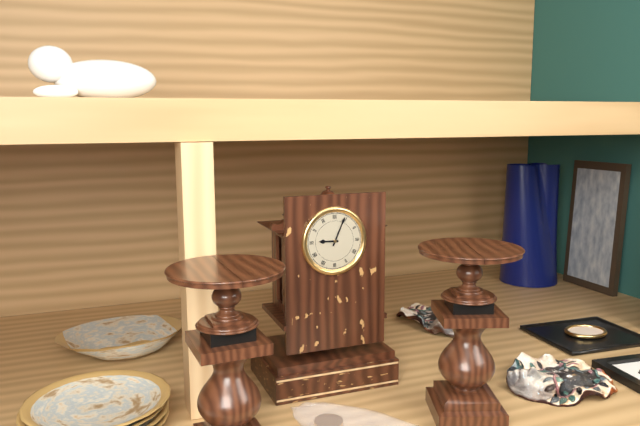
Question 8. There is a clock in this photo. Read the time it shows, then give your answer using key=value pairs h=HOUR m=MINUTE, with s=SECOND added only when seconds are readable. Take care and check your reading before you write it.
h=9 m=4
